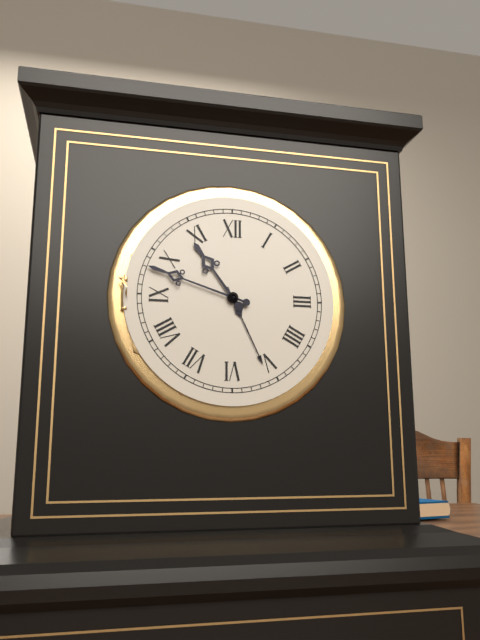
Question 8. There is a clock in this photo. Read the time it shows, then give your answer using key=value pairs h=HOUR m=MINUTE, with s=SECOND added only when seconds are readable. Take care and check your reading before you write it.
h=10 m=48
